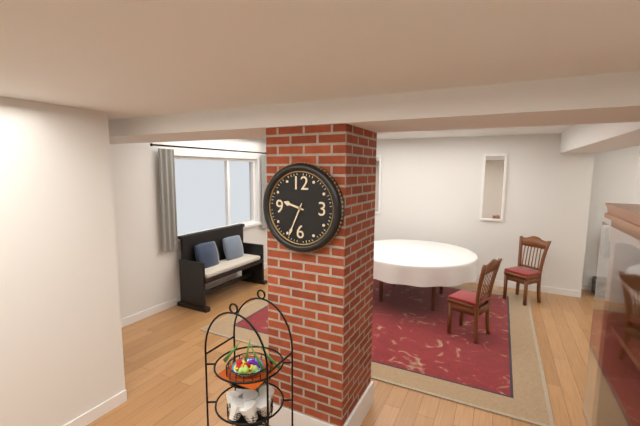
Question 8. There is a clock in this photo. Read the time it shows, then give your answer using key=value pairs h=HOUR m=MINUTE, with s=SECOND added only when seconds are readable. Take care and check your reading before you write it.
h=9 m=34
